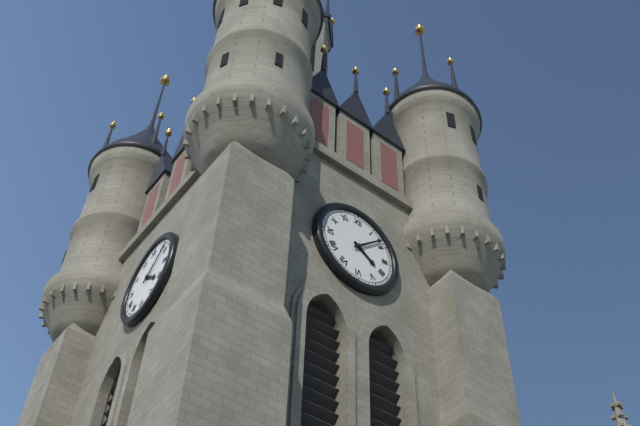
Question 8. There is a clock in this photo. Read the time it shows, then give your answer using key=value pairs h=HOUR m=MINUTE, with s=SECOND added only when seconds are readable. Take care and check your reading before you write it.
h=4 m=8
